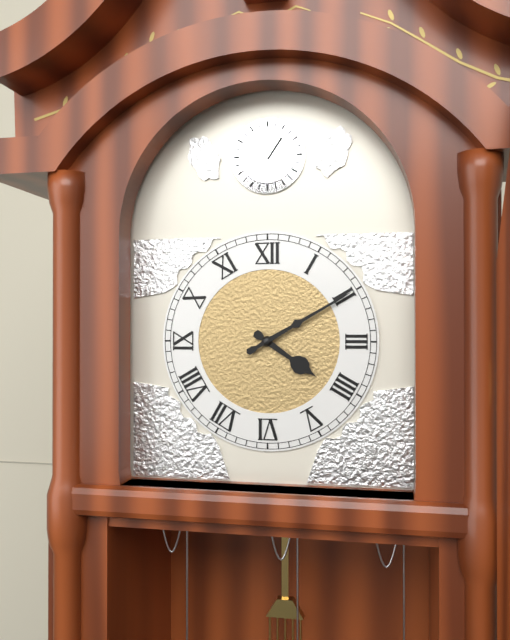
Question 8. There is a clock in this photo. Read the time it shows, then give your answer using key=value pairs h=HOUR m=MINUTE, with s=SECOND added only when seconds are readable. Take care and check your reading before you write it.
h=4 m=10
